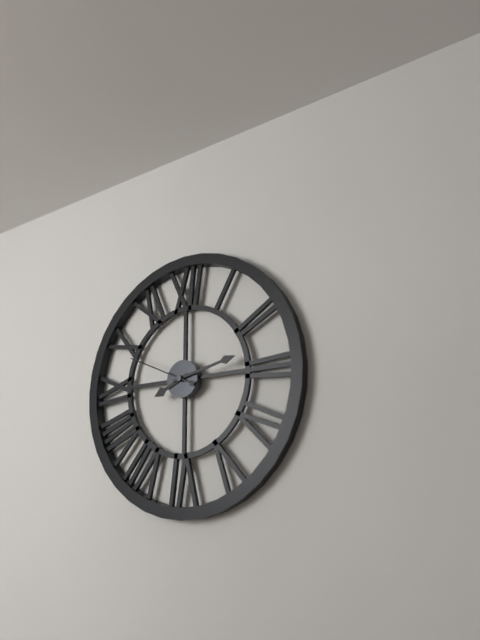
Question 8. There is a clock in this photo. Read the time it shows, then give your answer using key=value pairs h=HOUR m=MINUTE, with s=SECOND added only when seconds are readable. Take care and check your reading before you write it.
h=8 m=13 s=49
